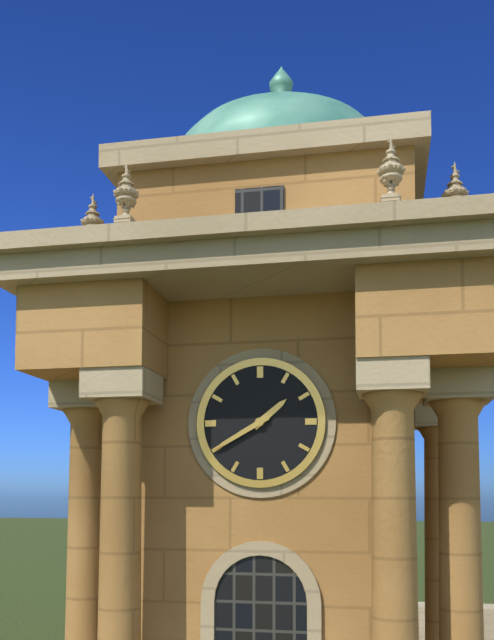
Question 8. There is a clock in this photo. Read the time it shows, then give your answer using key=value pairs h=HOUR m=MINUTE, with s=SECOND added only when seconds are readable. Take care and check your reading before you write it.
h=1 m=40
